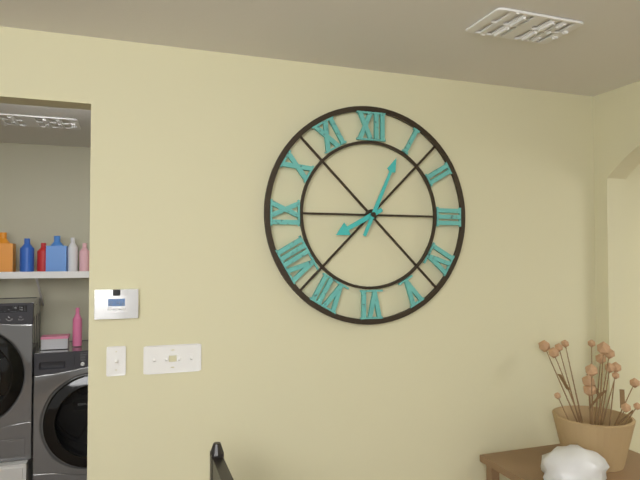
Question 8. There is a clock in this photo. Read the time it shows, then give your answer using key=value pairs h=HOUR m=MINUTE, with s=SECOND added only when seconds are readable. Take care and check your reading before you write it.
h=8 m=4
